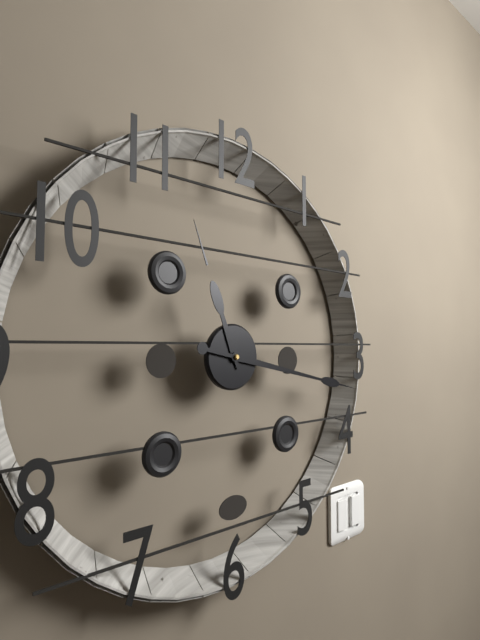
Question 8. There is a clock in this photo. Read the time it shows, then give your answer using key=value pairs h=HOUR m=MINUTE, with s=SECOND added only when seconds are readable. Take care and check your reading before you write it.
h=11 m=17
